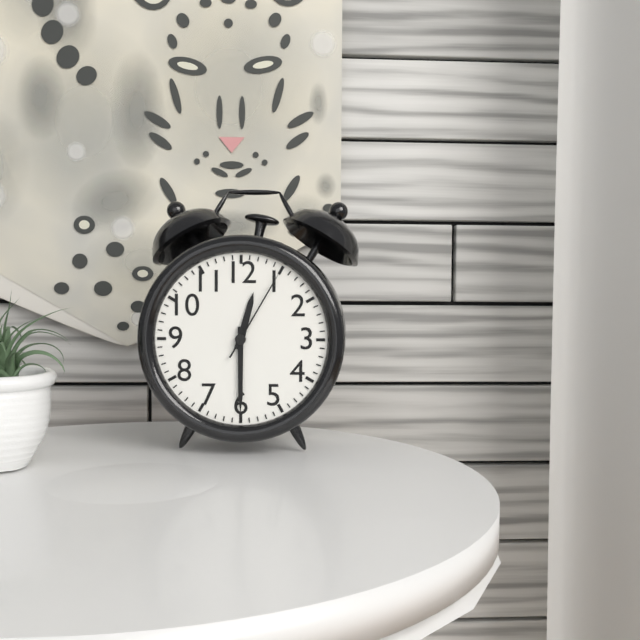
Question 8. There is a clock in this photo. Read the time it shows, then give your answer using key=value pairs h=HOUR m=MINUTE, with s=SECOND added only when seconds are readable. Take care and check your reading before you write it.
h=12 m=30 s=5
